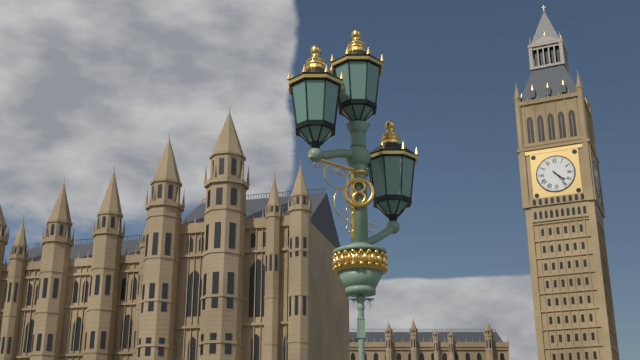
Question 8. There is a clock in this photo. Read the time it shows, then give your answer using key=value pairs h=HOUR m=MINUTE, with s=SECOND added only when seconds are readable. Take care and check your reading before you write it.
h=4 m=24
